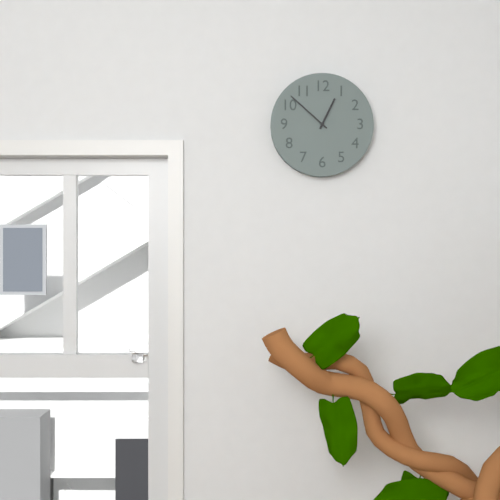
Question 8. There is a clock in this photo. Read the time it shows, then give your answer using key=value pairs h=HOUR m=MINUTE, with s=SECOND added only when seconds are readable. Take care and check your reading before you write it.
h=12 m=52
